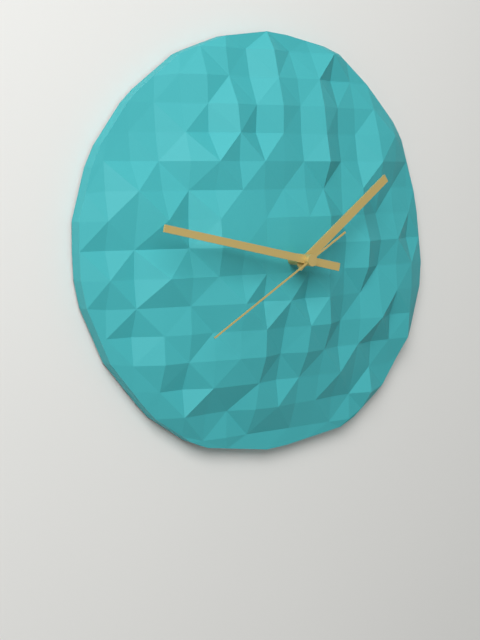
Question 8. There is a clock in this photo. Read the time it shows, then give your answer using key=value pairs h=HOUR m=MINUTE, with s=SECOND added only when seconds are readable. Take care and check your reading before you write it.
h=1 m=47 s=40
